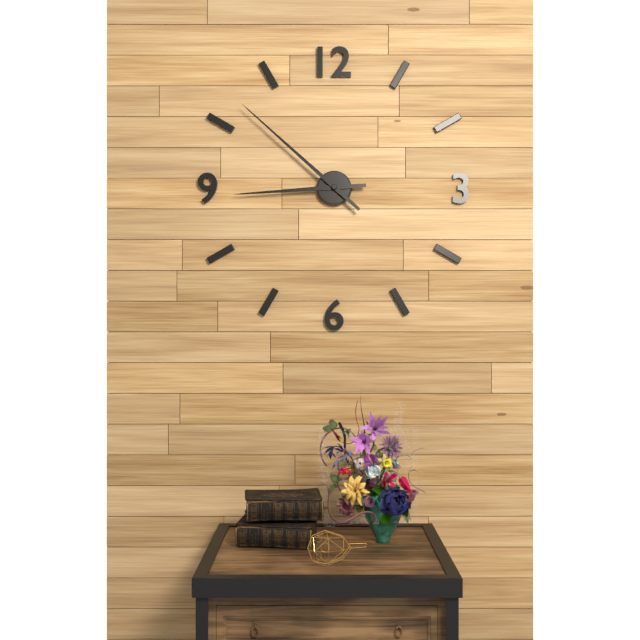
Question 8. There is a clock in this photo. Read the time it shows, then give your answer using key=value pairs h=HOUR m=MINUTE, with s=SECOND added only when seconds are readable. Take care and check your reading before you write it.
h=8 m=52
